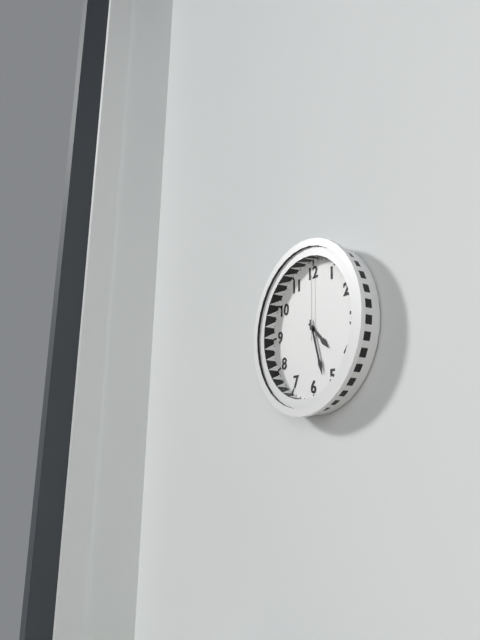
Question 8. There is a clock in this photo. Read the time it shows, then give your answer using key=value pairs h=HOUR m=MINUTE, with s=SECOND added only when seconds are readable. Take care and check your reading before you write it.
h=4 m=27 s=0
